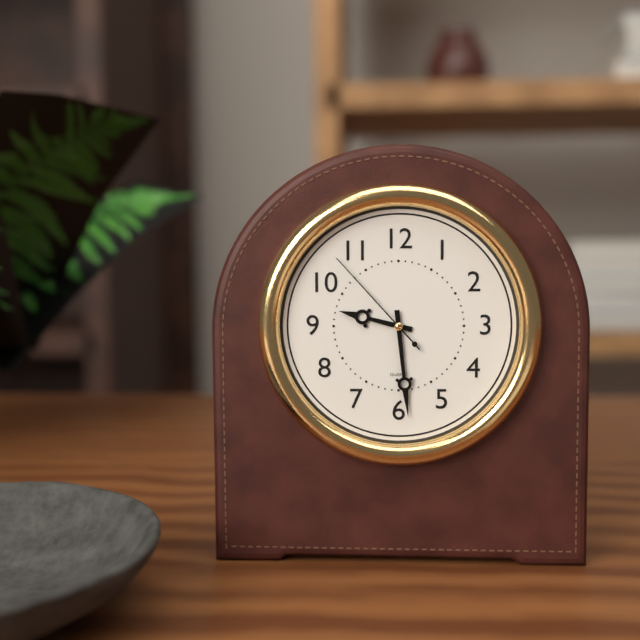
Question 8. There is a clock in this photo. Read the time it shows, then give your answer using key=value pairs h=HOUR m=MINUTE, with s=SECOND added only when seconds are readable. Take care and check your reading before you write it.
h=9 m=29 s=53
